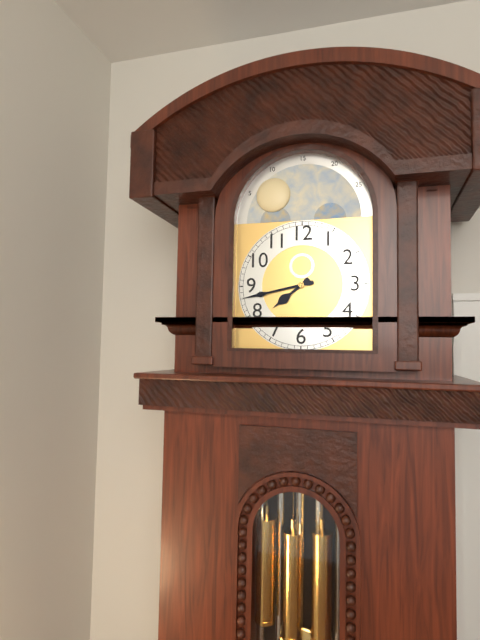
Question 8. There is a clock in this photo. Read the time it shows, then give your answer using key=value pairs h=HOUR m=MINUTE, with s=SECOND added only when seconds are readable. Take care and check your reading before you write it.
h=7 m=43
